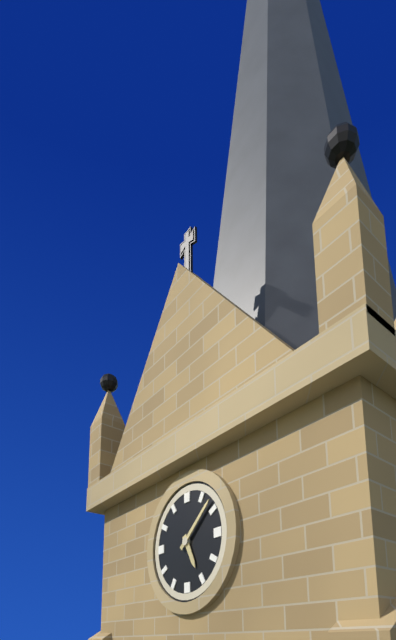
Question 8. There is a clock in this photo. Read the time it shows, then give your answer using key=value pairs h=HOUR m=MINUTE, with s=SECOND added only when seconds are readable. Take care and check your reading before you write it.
h=5 m=8
